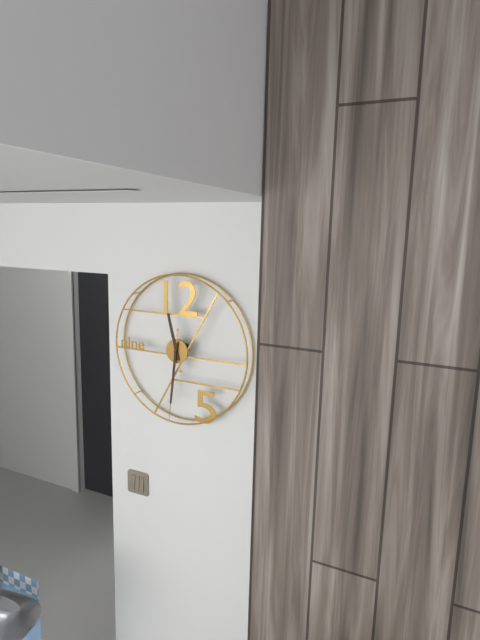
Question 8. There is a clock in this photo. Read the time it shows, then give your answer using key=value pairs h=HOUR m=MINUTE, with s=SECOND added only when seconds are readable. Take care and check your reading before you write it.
h=11 m=31
